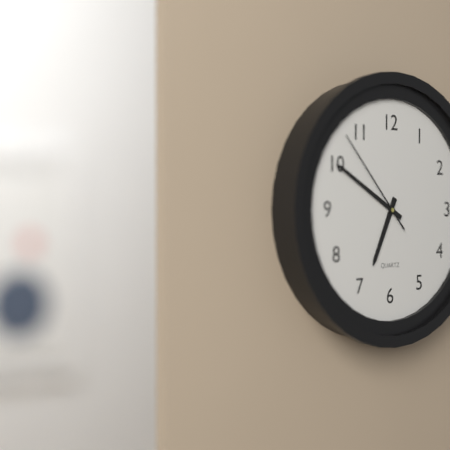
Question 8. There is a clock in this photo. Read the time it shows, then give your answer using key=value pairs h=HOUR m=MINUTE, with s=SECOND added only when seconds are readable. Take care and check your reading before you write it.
h=6 m=50 s=53
